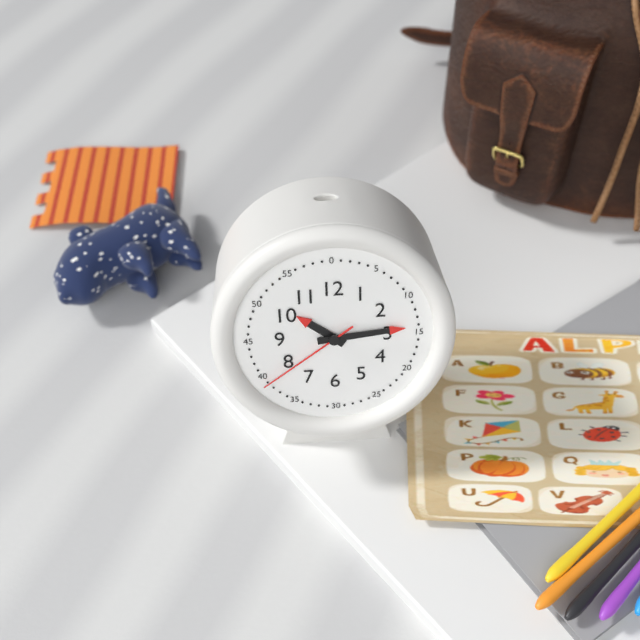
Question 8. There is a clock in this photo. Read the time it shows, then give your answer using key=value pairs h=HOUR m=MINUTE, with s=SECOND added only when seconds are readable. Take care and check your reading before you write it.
h=10 m=14 s=39
